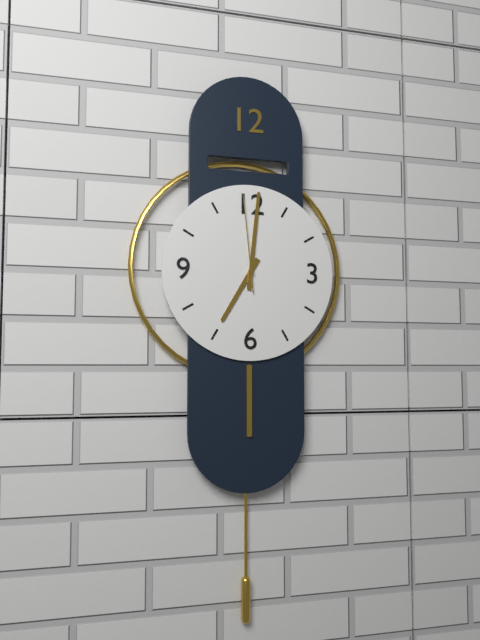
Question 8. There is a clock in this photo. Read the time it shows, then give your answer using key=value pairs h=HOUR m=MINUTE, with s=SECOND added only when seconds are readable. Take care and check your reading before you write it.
h=7 m=1 s=59
